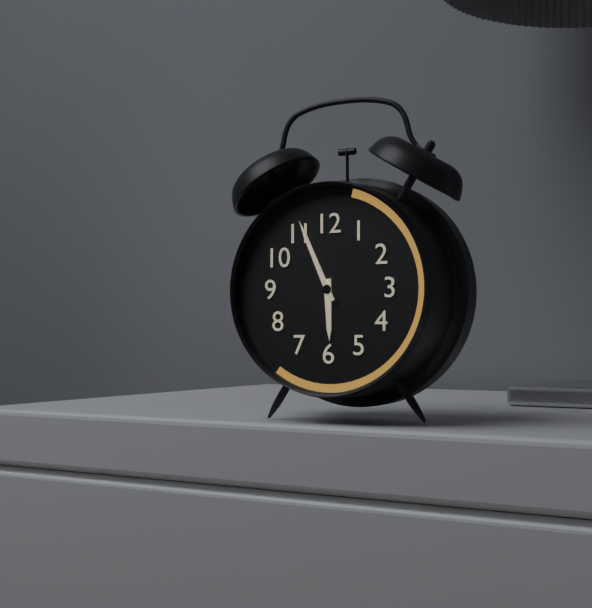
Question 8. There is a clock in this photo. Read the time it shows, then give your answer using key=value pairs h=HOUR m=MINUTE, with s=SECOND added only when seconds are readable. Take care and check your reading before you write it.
h=5 m=56
